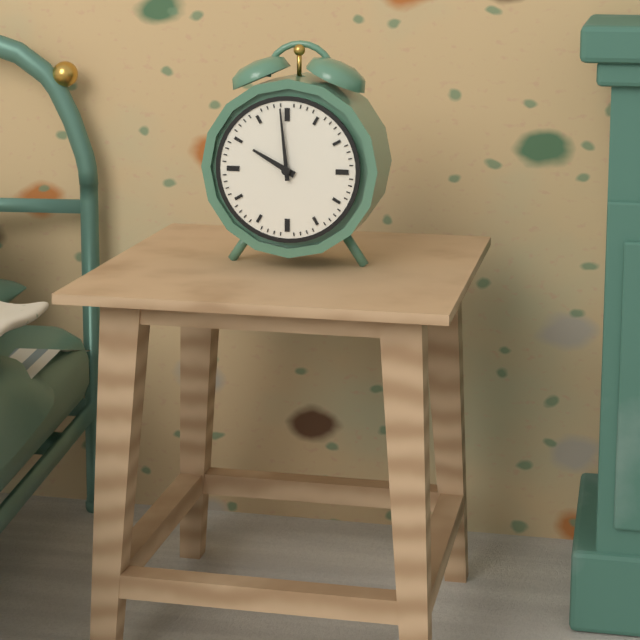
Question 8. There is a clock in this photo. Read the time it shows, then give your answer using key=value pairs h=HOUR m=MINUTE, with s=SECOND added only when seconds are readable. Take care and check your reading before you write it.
h=9 m=59
